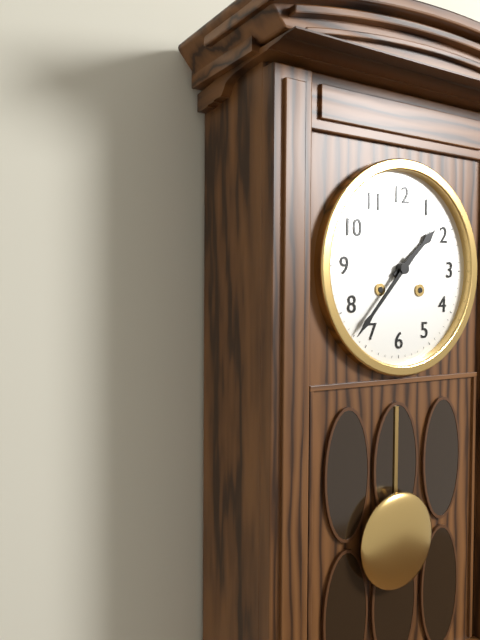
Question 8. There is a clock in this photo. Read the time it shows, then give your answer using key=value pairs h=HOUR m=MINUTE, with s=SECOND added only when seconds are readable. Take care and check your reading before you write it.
h=1 m=37
